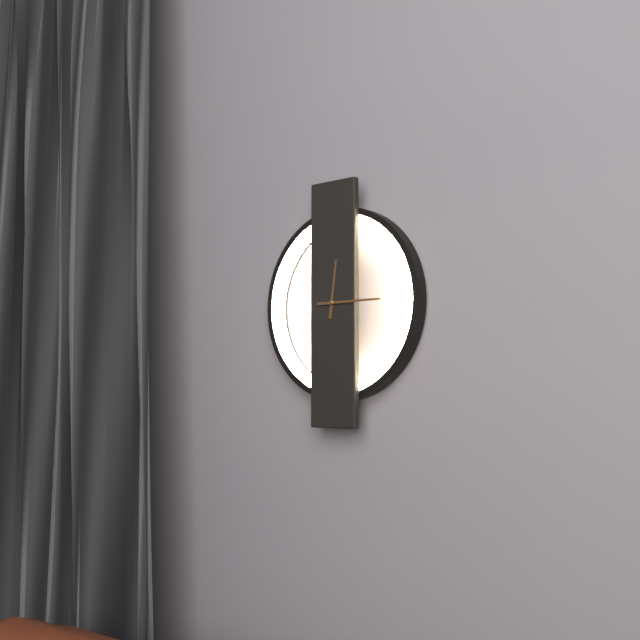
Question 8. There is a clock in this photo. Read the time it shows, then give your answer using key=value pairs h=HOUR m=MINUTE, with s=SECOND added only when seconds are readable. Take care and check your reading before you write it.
h=12 m=15
